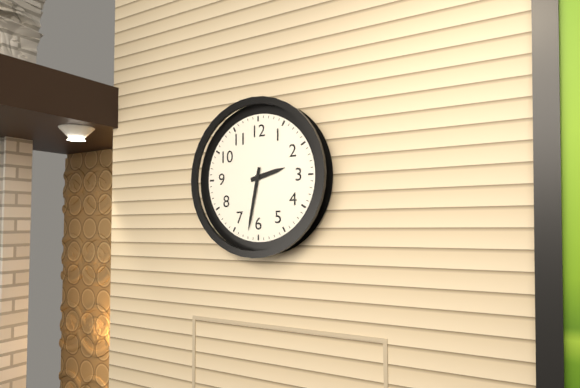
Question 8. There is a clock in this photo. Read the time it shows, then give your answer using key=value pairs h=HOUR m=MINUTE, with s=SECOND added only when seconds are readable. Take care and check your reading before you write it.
h=2 m=32
